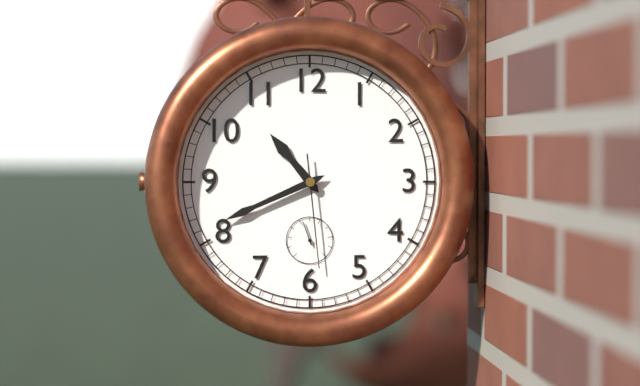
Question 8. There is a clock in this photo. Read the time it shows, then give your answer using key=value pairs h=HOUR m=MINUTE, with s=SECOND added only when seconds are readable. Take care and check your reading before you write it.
h=10 m=41 s=29
